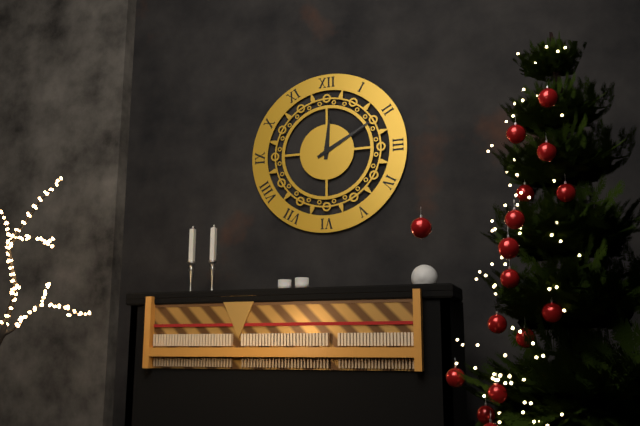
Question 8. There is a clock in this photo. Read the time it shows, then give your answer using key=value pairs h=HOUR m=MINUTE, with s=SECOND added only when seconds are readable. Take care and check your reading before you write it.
h=12 m=10
